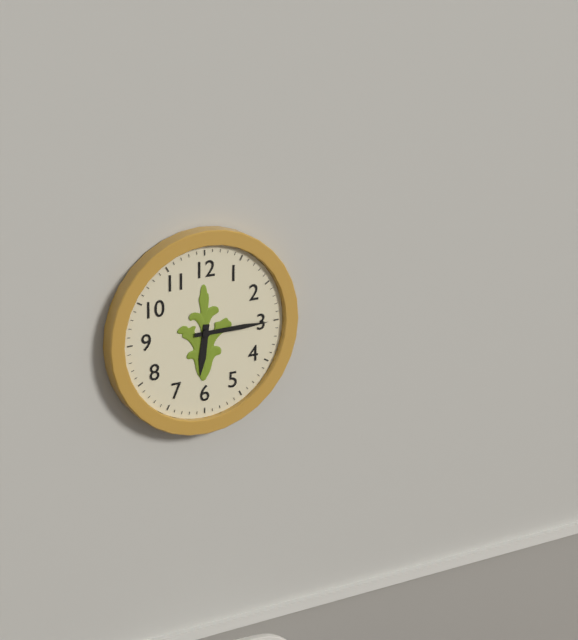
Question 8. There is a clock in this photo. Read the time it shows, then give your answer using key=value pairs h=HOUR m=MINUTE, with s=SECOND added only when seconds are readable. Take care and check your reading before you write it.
h=6 m=15
